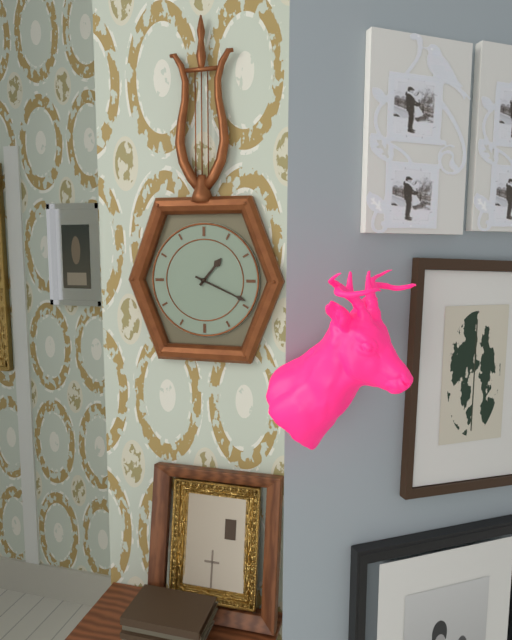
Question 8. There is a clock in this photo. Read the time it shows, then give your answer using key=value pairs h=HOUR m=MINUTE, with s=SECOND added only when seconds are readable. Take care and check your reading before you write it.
h=1 m=19
